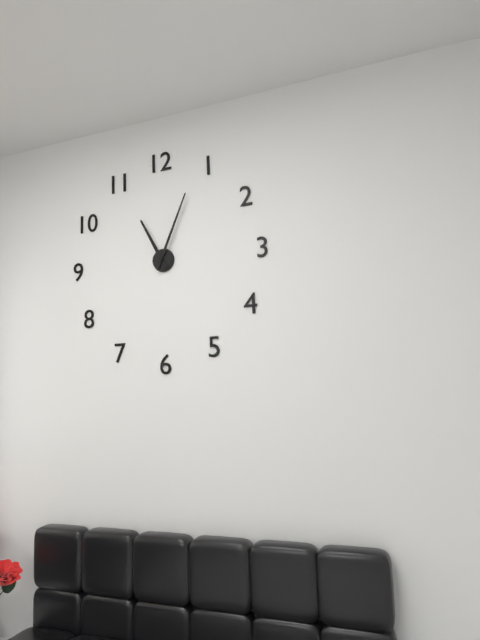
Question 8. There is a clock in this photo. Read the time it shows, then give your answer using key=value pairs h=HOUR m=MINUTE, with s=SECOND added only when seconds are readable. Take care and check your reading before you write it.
h=11 m=4
